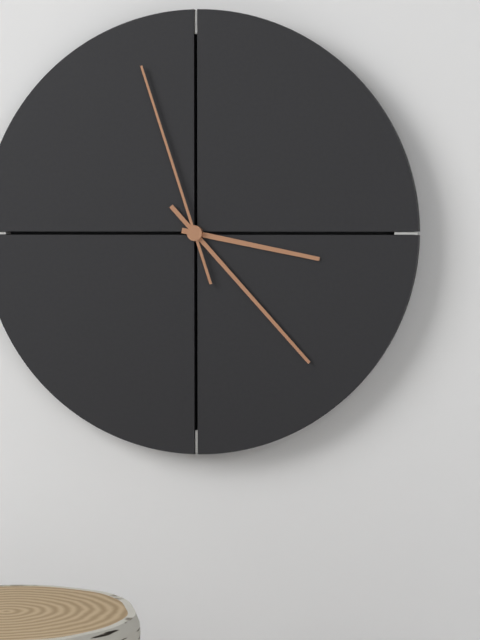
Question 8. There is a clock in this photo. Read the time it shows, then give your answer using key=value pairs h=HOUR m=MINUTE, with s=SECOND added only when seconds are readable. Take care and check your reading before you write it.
h=3 m=23 s=57
